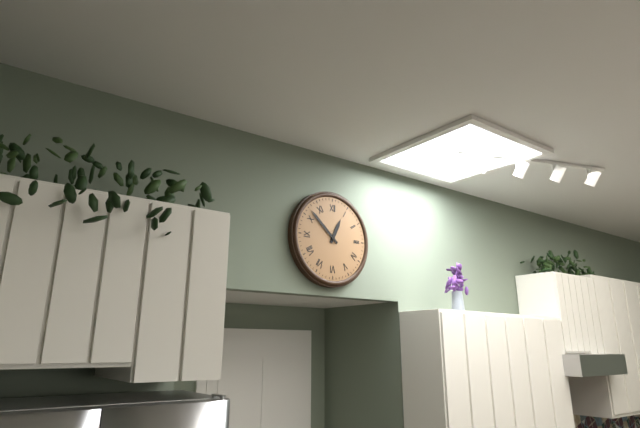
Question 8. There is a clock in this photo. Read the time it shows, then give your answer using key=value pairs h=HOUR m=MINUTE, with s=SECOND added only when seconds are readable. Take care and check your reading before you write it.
h=12 m=52
